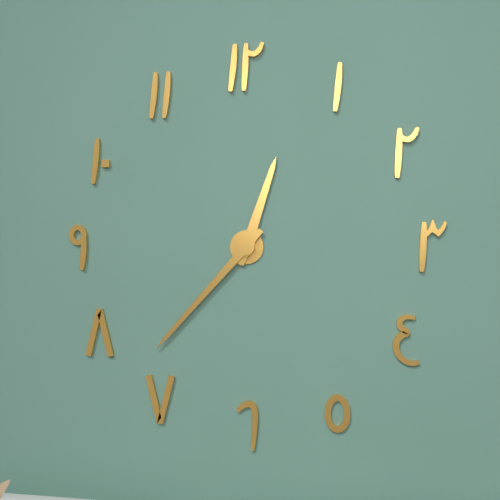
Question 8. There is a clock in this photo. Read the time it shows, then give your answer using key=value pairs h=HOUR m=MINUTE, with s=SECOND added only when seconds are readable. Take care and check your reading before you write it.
h=12 m=37
